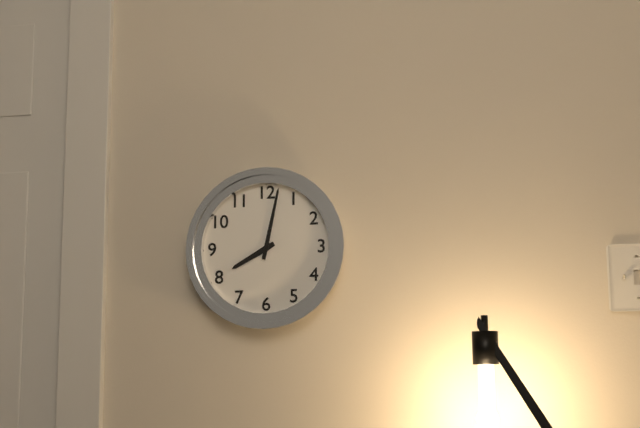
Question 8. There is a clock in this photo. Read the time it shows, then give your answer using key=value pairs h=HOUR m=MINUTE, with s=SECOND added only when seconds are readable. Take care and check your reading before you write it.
h=8 m=2
